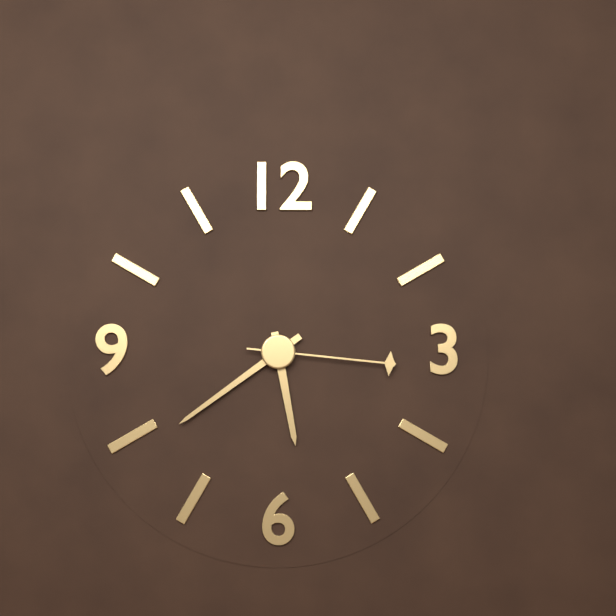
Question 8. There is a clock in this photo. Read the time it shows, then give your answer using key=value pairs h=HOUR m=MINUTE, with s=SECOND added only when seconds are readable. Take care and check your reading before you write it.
h=5 m=39 s=16
